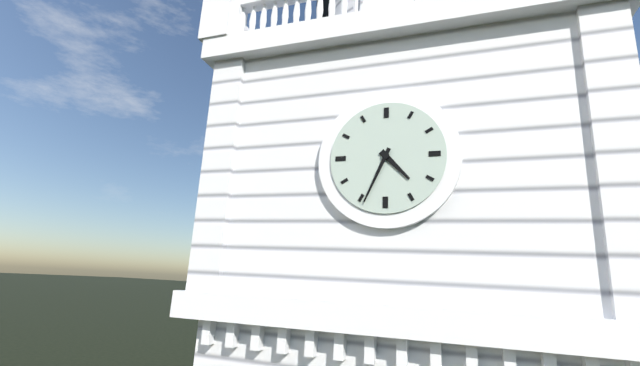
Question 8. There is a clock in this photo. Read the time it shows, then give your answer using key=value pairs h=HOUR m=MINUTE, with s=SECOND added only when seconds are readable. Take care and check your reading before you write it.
h=4 m=34
